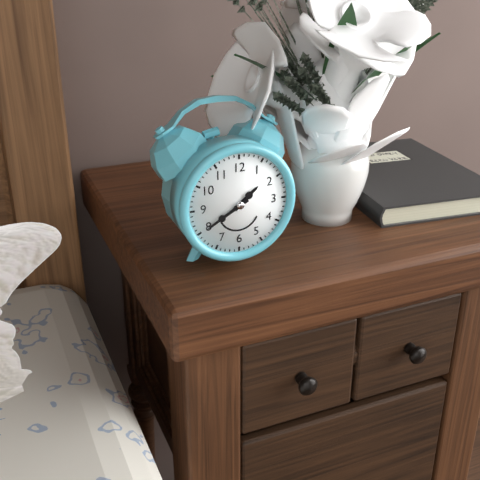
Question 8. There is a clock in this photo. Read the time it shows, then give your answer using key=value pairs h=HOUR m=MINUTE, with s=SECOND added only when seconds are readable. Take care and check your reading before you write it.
h=1 m=40
